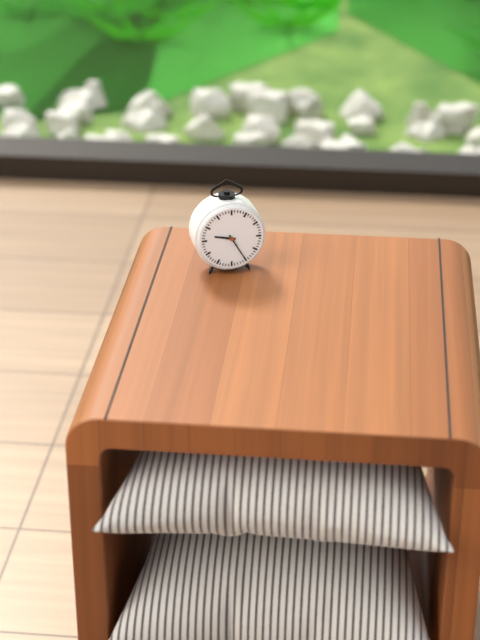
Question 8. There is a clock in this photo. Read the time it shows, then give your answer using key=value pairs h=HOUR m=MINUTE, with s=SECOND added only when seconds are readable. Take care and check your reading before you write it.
h=9 m=25
